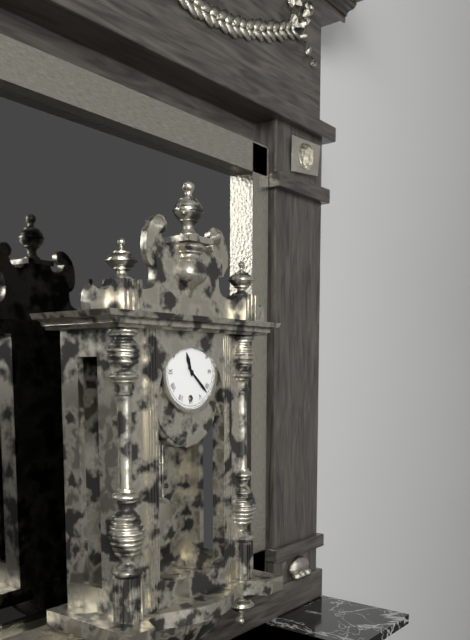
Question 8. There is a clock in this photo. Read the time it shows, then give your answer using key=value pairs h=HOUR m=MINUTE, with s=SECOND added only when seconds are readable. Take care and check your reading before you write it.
h=11 m=22
